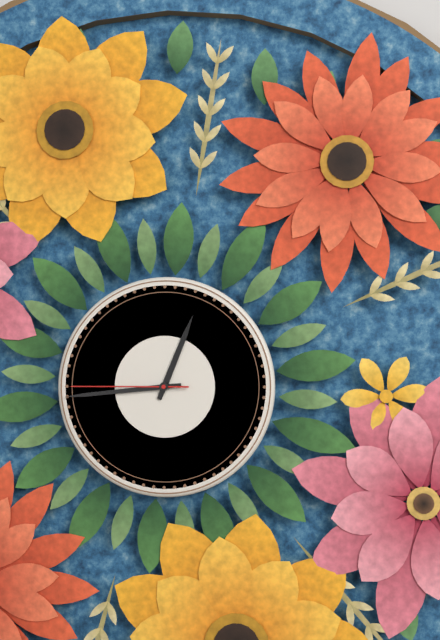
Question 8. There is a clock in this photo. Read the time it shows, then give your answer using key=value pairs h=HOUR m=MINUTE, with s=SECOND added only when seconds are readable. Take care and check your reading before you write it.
h=12 m=44 s=45
